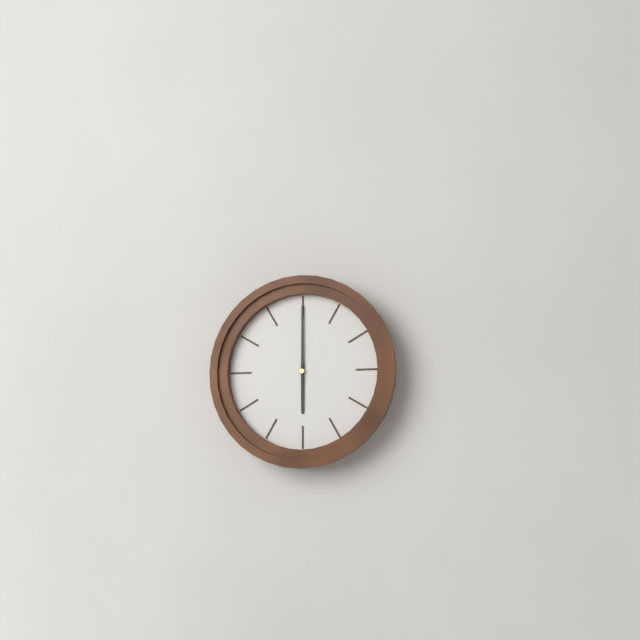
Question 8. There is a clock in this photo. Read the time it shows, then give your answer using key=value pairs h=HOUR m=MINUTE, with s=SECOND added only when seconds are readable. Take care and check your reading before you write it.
h=6 m=0
